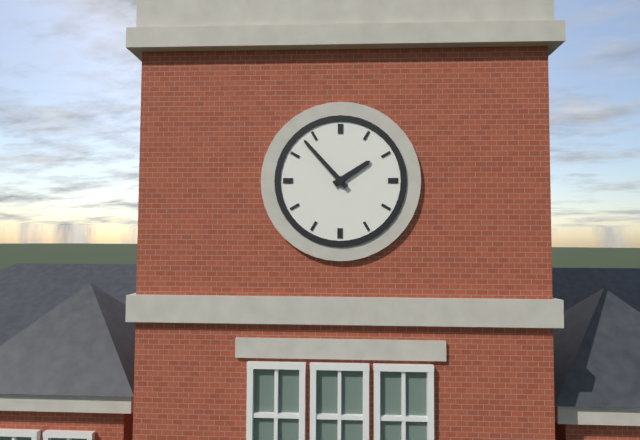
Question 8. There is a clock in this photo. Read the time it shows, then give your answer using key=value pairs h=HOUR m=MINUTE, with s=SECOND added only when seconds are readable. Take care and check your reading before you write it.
h=1 m=53
